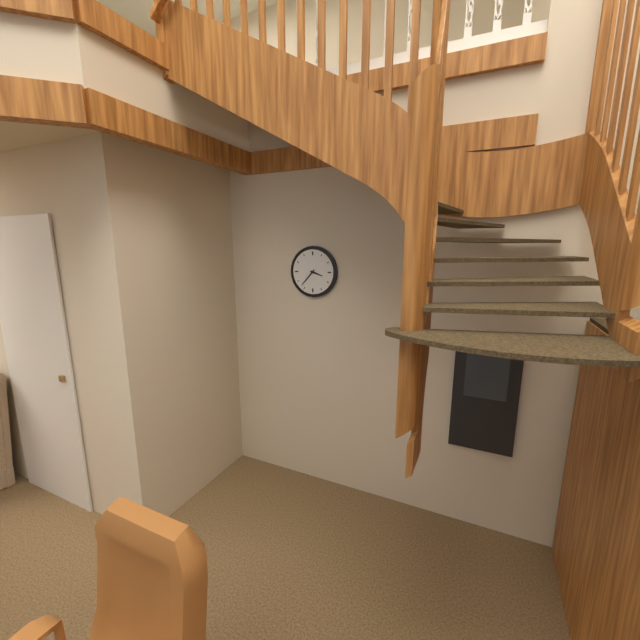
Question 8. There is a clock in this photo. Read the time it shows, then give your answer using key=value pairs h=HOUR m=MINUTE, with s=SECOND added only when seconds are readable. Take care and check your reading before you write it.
h=3 m=37
